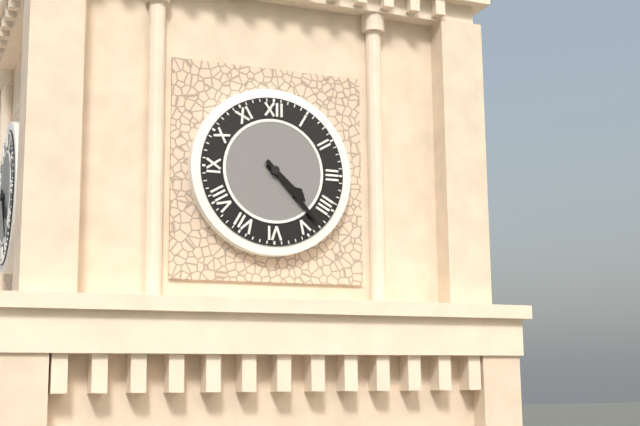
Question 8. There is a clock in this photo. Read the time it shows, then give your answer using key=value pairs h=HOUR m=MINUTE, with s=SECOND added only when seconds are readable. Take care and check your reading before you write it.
h=4 m=23
